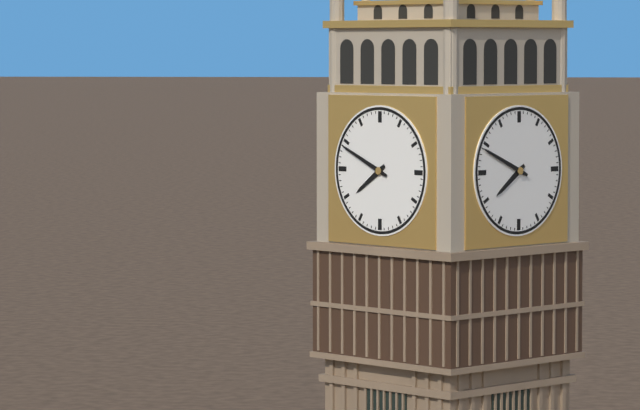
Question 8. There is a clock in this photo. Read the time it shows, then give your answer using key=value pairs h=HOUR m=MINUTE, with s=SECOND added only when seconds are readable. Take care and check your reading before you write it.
h=7 m=49
